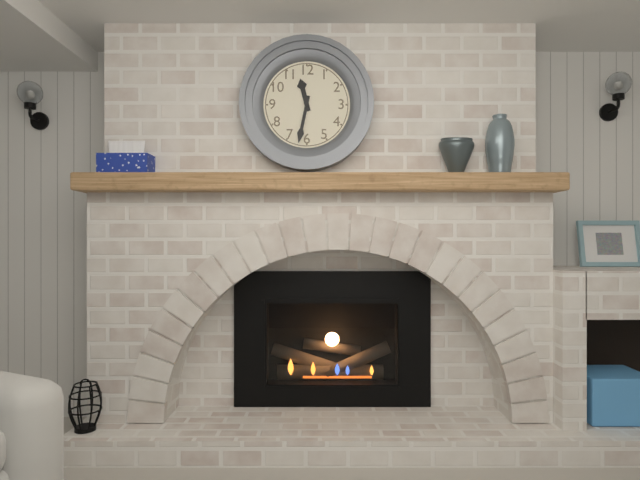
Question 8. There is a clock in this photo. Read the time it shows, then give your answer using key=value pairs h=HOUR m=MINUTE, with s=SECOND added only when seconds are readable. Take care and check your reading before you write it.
h=11 m=32
